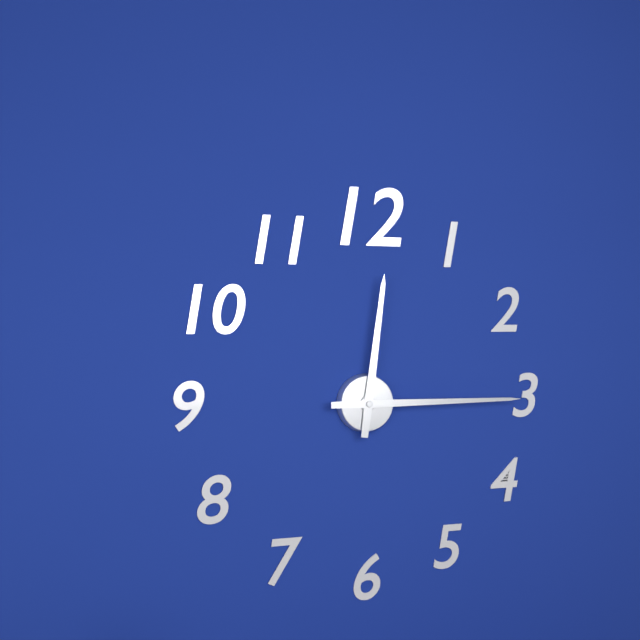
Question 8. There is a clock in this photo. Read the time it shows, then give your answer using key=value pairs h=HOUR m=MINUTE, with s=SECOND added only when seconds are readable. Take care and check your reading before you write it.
h=12 m=15
